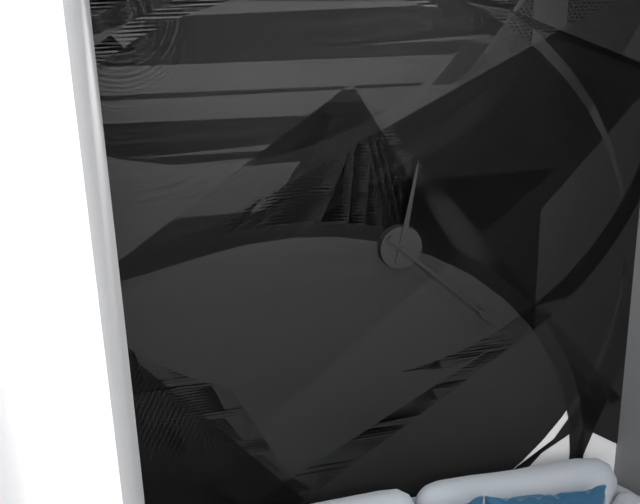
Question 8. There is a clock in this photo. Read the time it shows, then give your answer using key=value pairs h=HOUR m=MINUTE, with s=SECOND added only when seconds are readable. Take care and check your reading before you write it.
h=12 m=22
